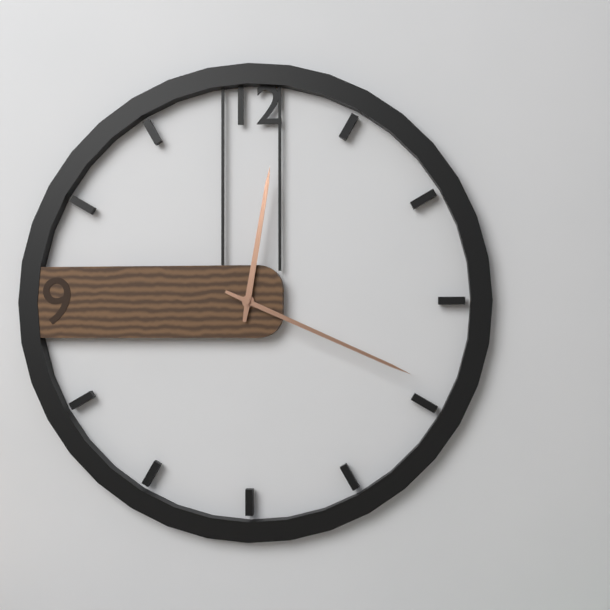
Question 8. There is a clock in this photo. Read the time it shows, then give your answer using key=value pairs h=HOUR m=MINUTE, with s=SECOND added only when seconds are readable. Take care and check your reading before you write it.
h=12 m=19
